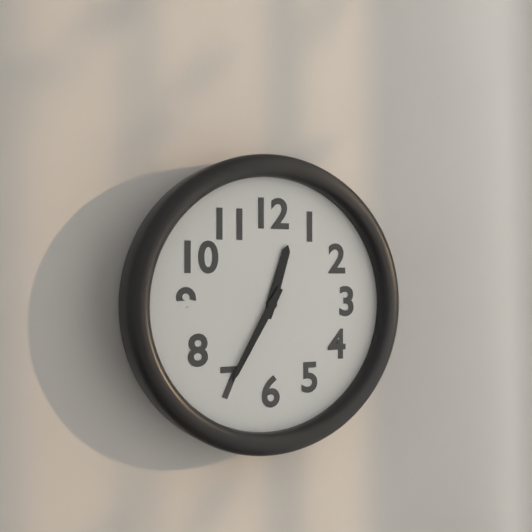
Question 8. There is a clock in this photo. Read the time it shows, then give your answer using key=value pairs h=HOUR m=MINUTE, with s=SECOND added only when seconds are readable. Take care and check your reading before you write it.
h=12 m=35
